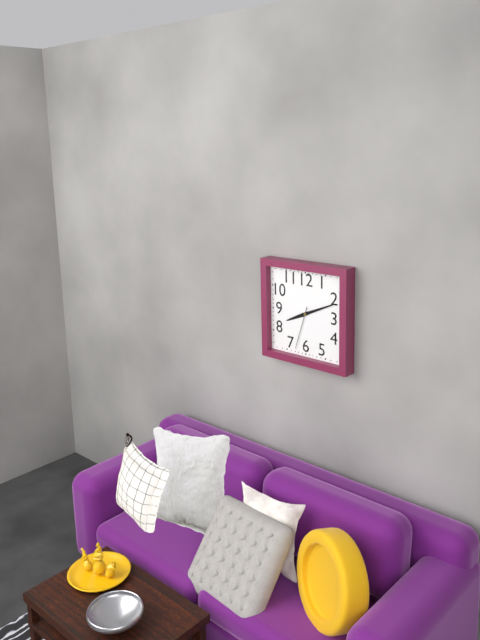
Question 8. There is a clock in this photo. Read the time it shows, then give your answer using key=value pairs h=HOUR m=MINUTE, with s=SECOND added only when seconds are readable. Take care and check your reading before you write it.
h=8 m=11
